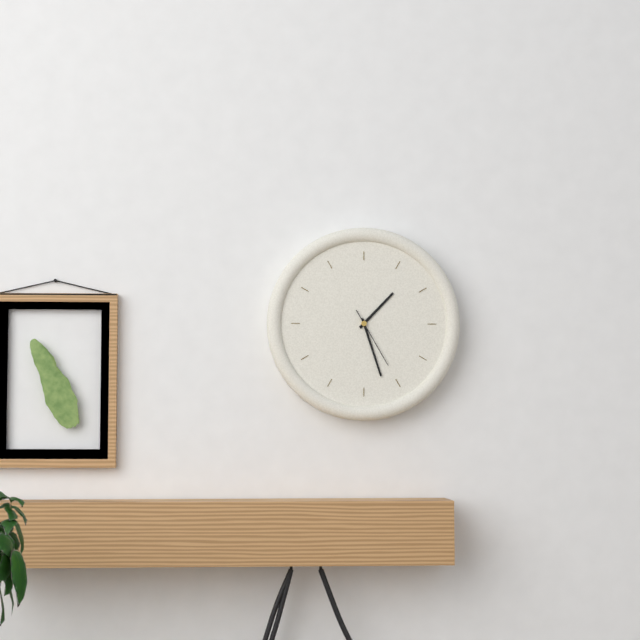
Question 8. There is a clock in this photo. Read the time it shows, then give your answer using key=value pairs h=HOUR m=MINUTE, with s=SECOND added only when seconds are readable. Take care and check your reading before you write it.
h=1 m=27 s=25
